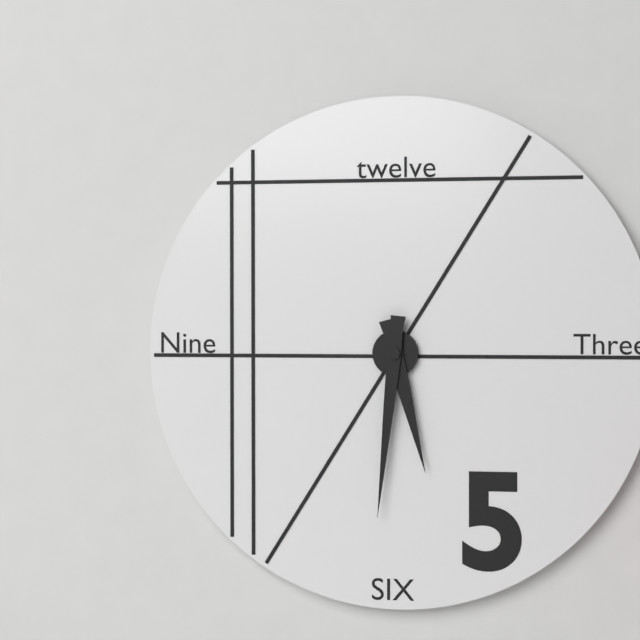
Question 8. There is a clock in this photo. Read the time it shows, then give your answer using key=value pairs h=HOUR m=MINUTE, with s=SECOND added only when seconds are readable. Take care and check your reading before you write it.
h=5 m=31
